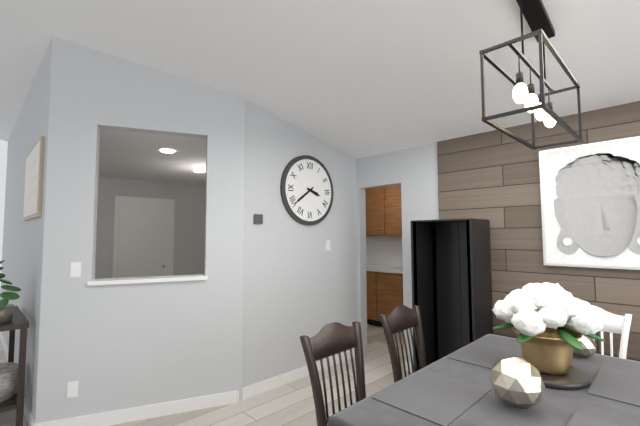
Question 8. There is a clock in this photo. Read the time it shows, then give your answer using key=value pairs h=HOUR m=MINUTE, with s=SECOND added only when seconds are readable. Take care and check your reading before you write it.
h=3 m=39
